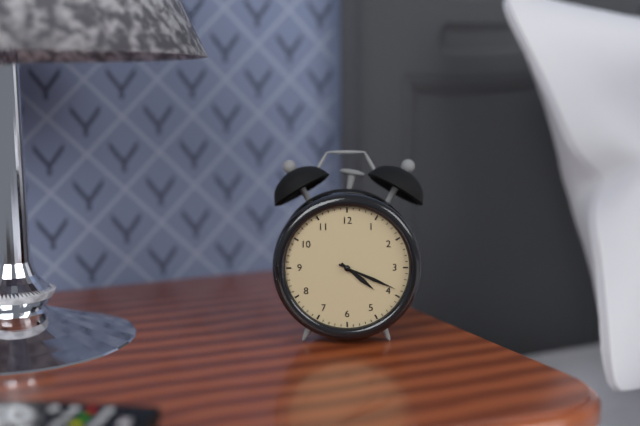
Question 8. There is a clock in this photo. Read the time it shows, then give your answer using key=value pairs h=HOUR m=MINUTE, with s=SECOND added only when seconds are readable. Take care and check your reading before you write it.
h=4 m=19
